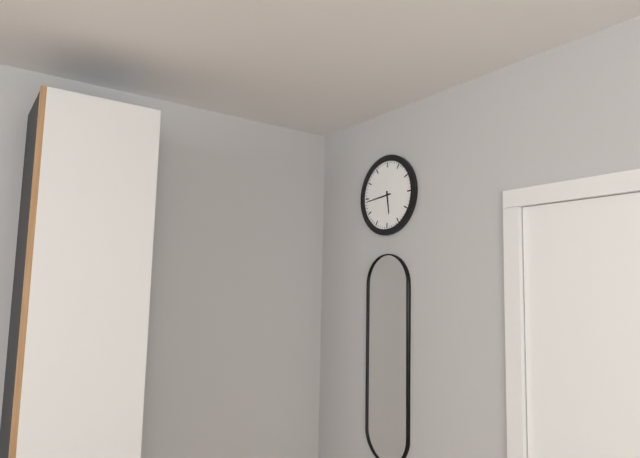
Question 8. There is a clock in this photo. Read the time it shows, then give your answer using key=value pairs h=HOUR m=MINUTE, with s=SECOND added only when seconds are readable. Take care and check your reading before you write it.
h=5 m=44
